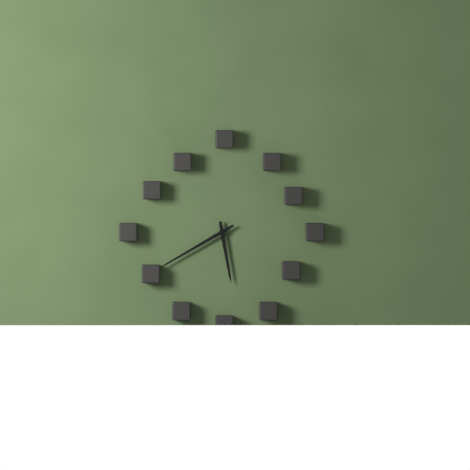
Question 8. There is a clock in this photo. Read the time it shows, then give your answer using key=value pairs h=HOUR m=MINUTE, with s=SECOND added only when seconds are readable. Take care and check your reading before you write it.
h=5 m=40
